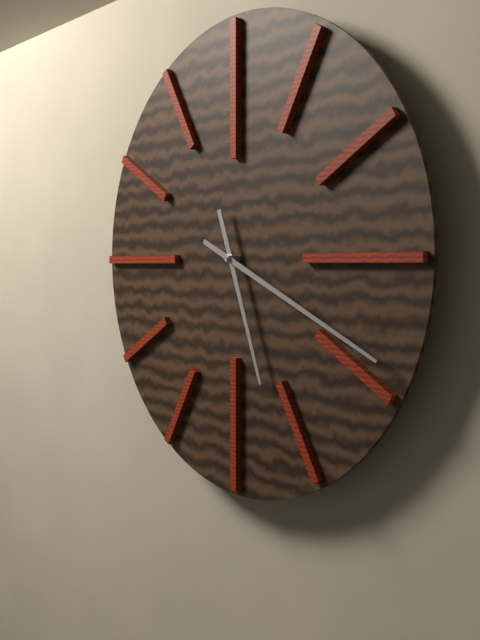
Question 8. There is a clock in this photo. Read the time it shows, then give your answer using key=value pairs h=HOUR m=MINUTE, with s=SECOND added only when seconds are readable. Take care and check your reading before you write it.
h=5 m=19
